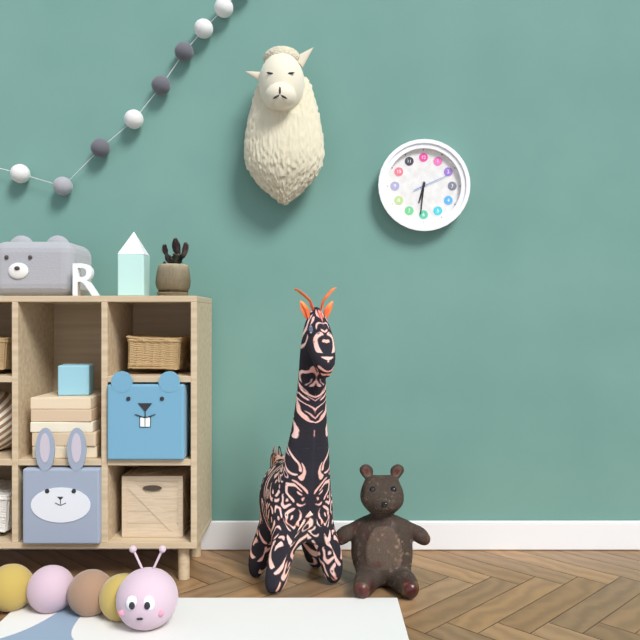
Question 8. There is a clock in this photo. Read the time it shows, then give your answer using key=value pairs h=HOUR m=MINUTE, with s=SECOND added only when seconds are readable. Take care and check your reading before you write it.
h=6 m=31
